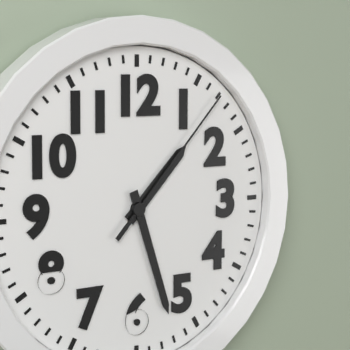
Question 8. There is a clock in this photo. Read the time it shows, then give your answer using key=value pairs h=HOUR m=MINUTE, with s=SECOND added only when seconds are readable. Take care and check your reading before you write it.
h=1 m=27 s=7
